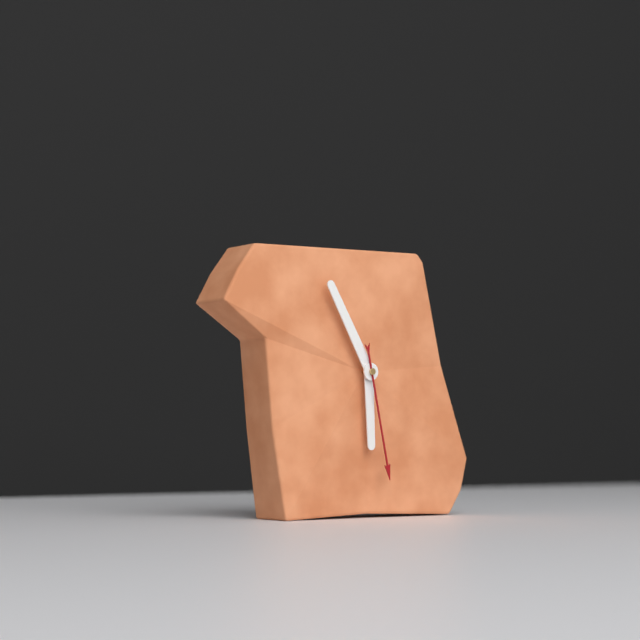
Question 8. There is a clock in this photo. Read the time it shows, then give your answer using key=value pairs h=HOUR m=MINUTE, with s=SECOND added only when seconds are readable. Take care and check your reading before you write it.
h=5 m=55 s=28
